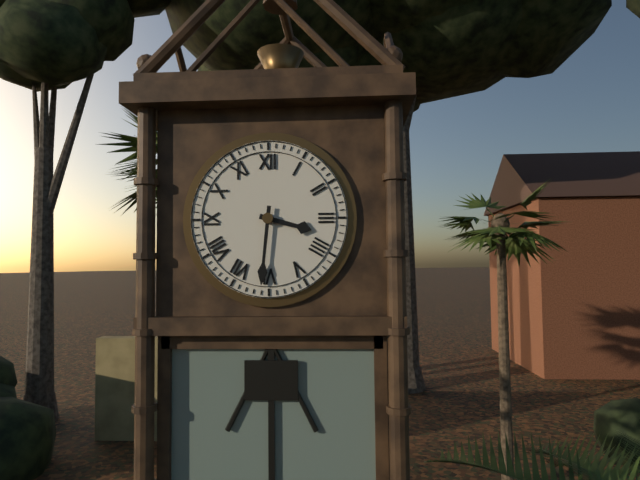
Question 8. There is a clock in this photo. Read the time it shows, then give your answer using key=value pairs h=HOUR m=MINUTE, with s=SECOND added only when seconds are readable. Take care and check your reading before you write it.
h=3 m=31
